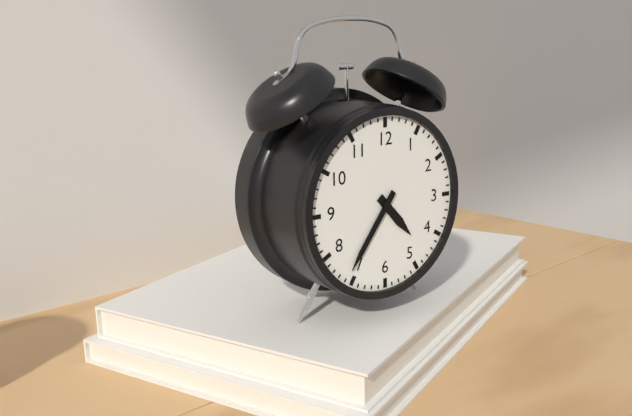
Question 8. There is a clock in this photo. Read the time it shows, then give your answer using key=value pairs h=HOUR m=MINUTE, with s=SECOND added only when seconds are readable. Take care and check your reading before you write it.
h=4 m=36
